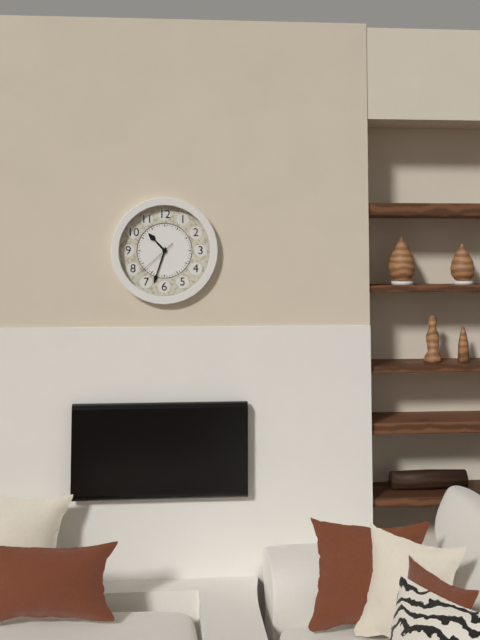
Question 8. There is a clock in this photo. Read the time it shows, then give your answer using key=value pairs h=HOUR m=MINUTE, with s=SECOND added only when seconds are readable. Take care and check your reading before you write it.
h=10 m=33
